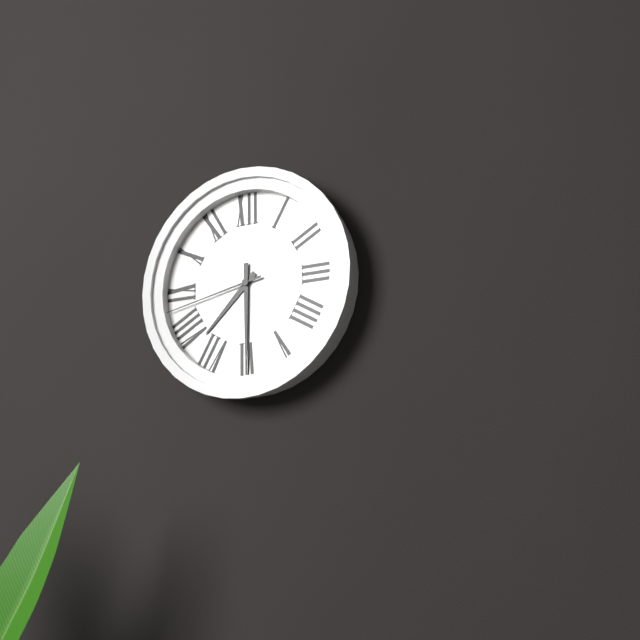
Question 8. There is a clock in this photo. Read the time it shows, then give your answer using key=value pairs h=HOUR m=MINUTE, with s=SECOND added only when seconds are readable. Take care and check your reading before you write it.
h=7 m=30 s=43
